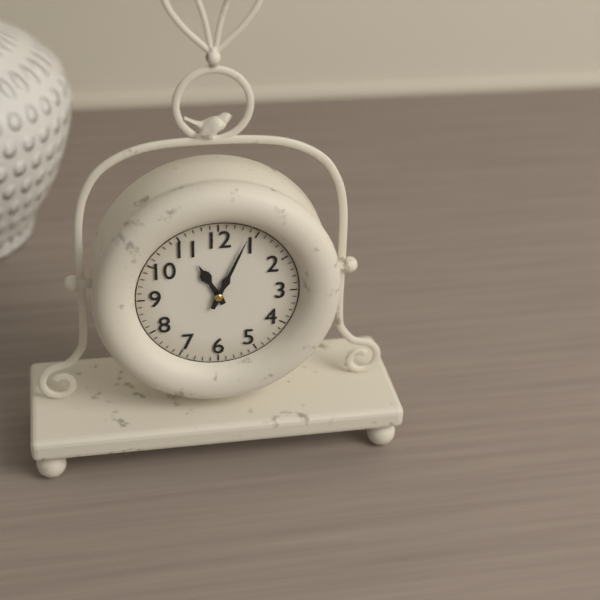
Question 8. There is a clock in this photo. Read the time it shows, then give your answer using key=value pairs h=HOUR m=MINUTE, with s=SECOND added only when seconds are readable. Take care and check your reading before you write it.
h=11 m=4
